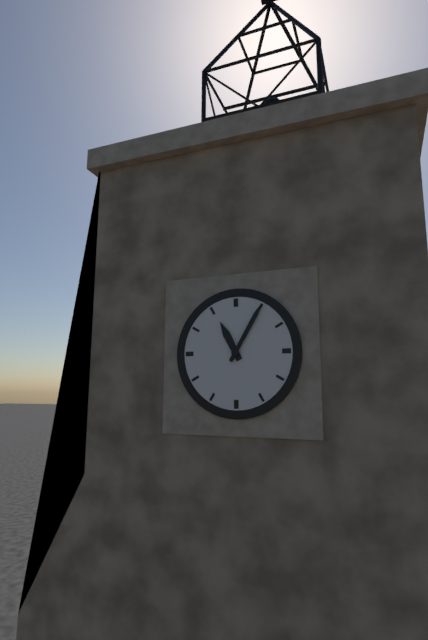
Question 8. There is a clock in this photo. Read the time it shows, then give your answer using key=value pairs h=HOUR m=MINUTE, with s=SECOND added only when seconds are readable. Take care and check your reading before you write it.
h=11 m=5
